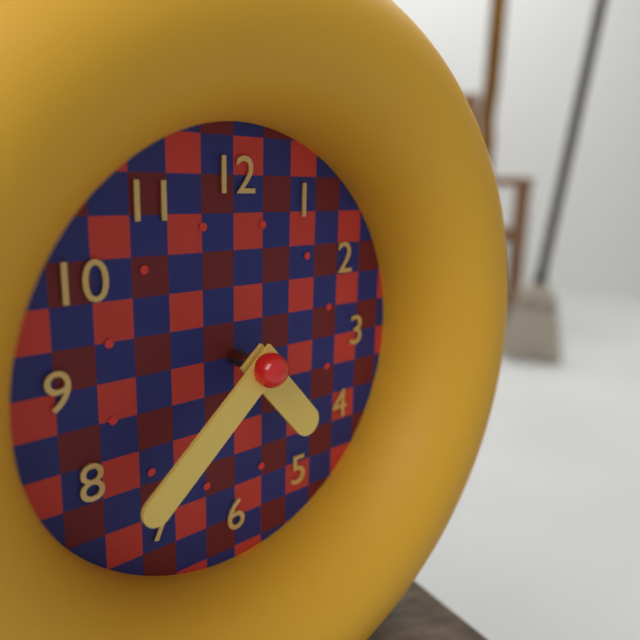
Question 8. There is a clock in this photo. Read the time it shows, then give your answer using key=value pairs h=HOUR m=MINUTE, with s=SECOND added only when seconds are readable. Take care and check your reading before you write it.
h=4 m=38
